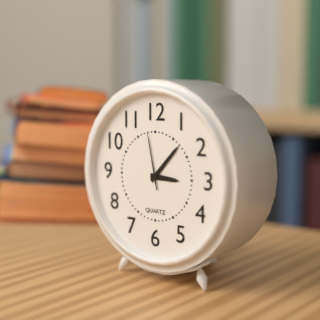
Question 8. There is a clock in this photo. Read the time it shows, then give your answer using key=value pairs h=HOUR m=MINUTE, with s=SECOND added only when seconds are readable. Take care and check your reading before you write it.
h=3 m=7 s=58
